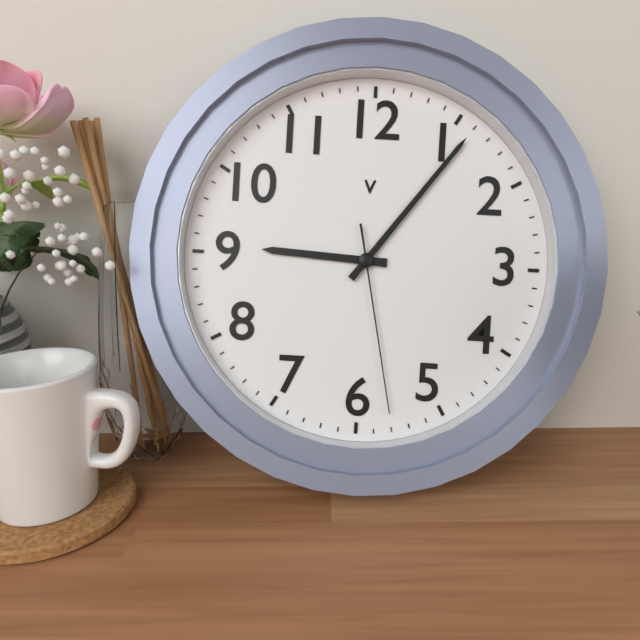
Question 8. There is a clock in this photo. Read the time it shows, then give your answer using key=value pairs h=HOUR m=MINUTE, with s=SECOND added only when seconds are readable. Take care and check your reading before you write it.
h=9 m=6 s=28
